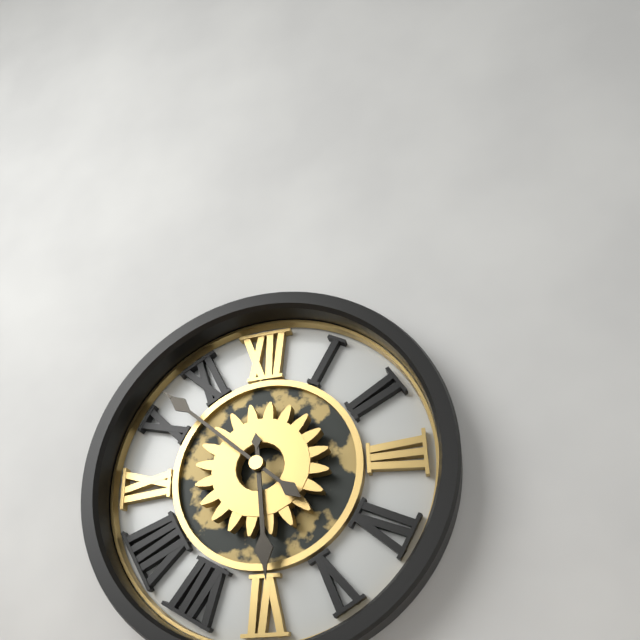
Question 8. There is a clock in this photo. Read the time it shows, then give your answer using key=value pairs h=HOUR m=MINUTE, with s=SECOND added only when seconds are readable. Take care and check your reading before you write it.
h=5 m=52
